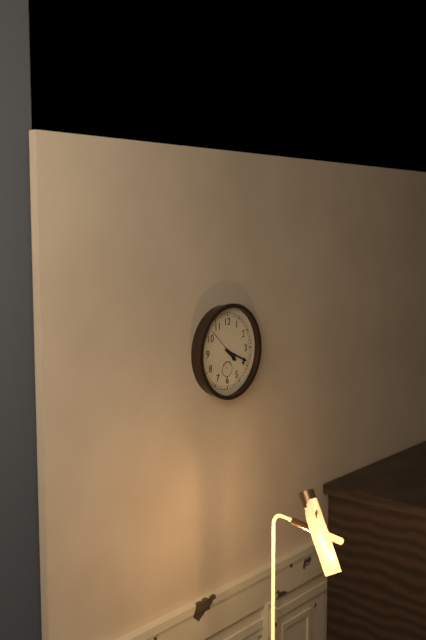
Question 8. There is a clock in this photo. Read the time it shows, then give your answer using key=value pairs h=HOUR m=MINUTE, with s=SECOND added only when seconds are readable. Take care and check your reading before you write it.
h=4 m=19
